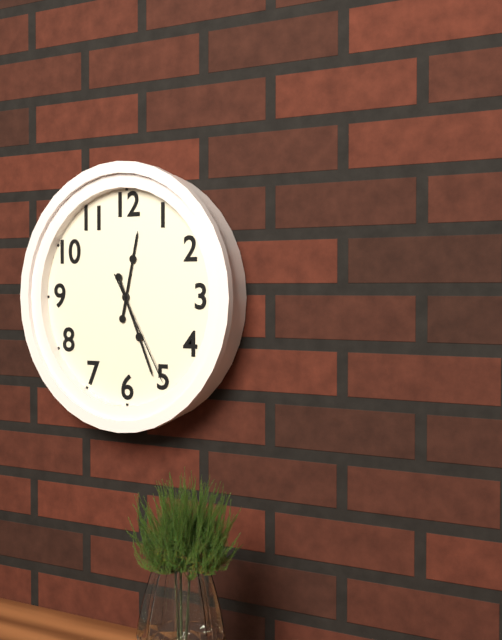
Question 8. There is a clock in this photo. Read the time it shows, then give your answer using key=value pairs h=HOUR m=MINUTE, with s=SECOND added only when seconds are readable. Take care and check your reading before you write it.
h=12 m=26 s=25
